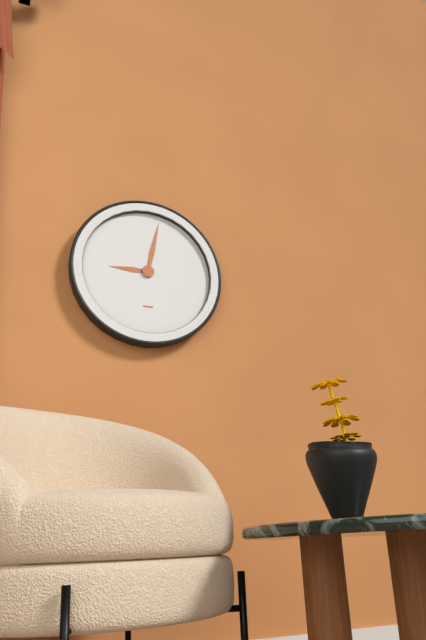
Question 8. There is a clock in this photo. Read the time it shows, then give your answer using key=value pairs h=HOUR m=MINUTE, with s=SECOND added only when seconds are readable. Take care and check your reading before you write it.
h=9 m=2
